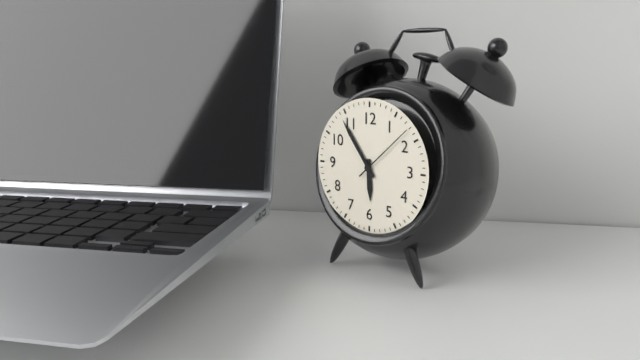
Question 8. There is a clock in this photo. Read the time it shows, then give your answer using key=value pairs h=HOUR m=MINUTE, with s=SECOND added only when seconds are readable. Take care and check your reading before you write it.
h=5 m=54 s=8
